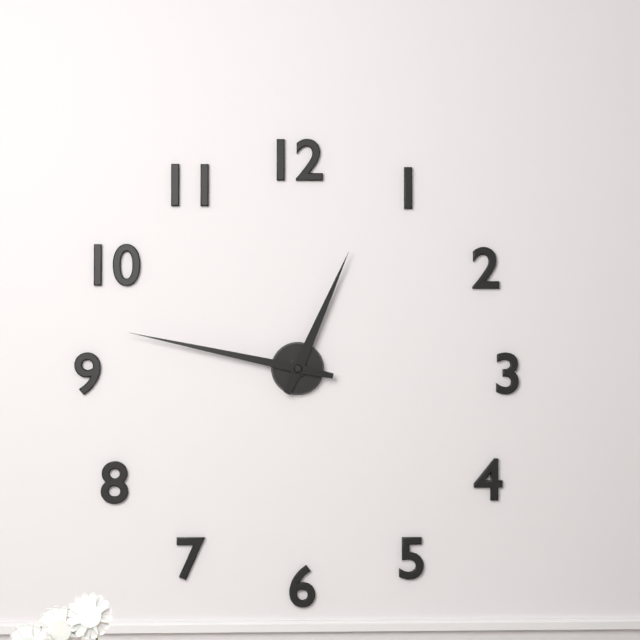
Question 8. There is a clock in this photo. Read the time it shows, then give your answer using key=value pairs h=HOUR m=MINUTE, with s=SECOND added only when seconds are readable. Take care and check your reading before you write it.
h=12 m=47
